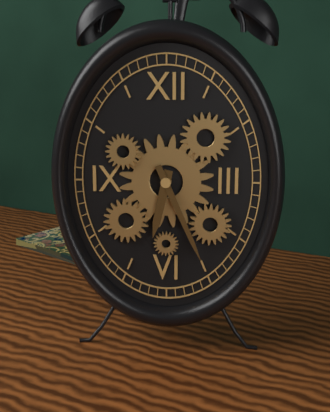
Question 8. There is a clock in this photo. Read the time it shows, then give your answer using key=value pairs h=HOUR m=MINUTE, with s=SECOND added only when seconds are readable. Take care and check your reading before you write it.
h=6 m=26
